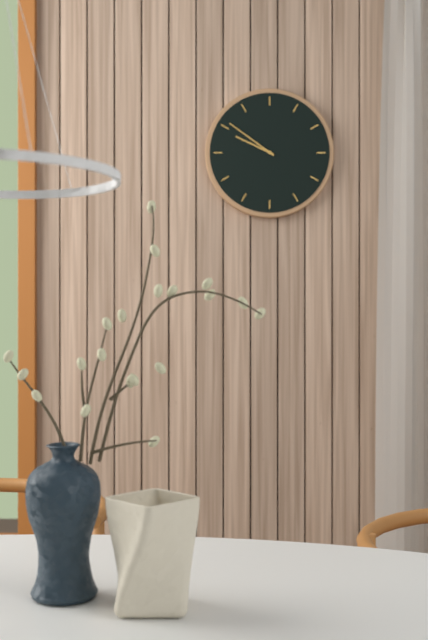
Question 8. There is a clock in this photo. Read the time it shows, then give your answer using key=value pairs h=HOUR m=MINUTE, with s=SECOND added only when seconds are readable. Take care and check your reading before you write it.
h=9 m=51
